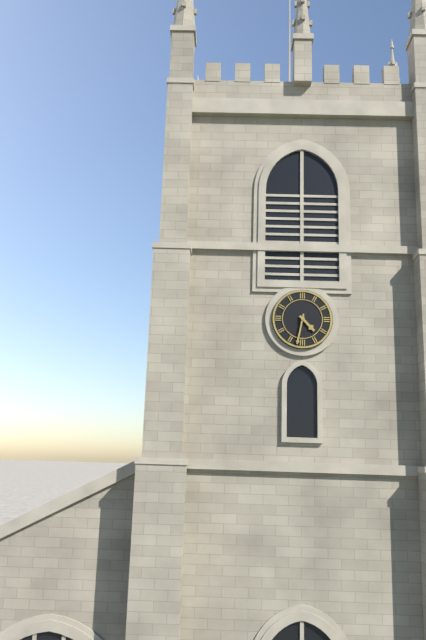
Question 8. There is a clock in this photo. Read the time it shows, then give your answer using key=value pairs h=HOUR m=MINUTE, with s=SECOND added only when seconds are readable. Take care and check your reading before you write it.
h=4 m=32
